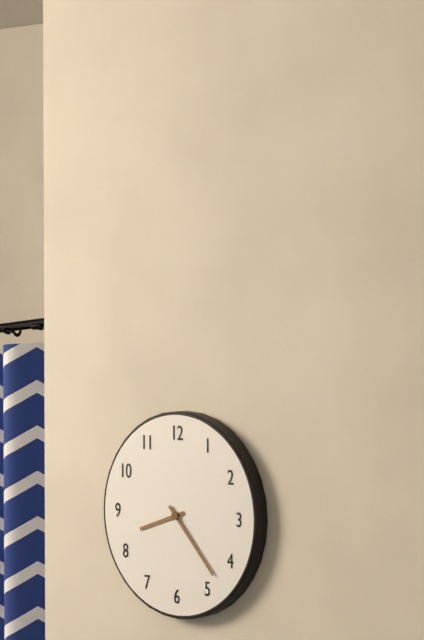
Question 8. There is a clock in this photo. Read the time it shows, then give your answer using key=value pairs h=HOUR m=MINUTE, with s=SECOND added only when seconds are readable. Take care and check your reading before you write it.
h=8 m=23
